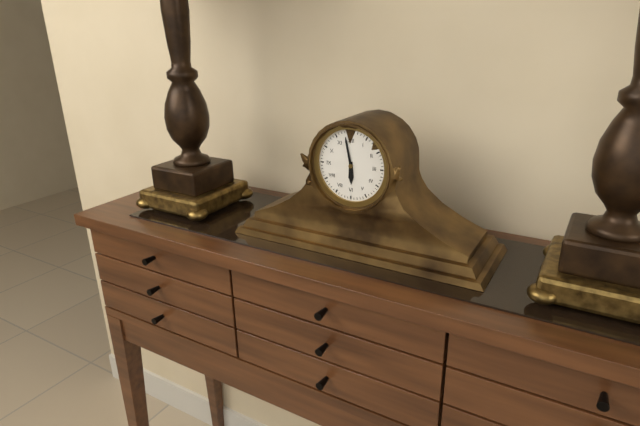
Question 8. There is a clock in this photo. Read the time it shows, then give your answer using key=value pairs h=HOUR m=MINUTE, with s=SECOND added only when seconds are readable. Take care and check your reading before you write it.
h=5 m=58
